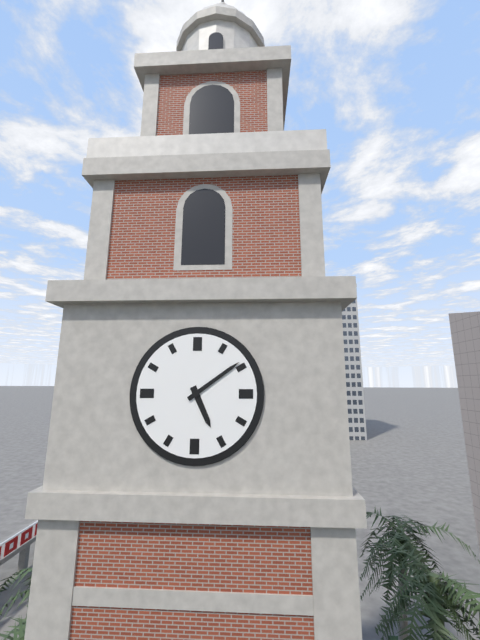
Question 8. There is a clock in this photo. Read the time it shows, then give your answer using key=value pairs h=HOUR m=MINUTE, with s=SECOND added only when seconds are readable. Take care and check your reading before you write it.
h=5 m=9
